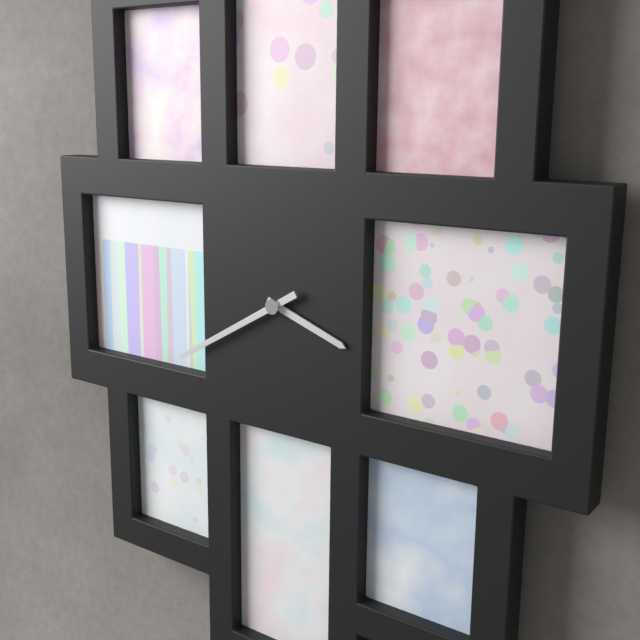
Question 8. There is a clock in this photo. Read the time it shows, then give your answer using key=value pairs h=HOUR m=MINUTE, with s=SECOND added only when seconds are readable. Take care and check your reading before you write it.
h=3 m=40
